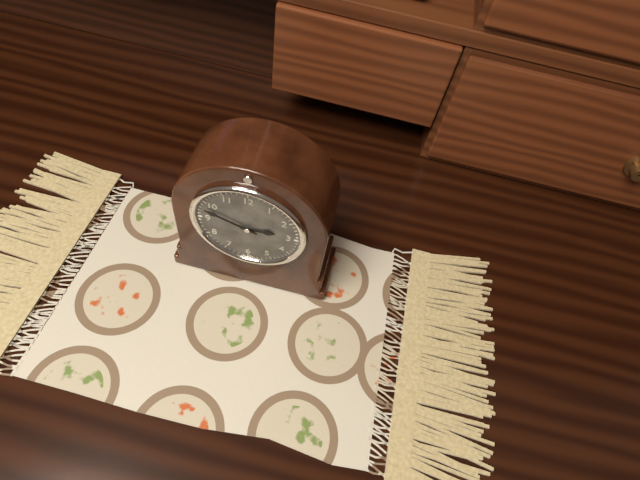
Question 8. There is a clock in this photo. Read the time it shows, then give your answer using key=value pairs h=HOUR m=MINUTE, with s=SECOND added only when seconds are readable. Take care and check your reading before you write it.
h=2 m=48
